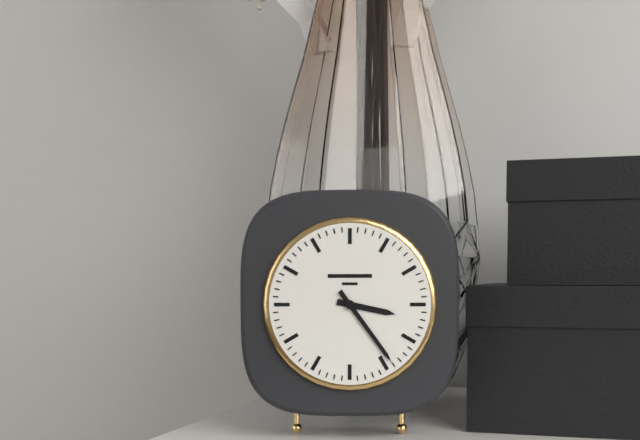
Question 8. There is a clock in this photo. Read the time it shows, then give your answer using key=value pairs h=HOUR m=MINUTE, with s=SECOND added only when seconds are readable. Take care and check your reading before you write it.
h=3 m=24
